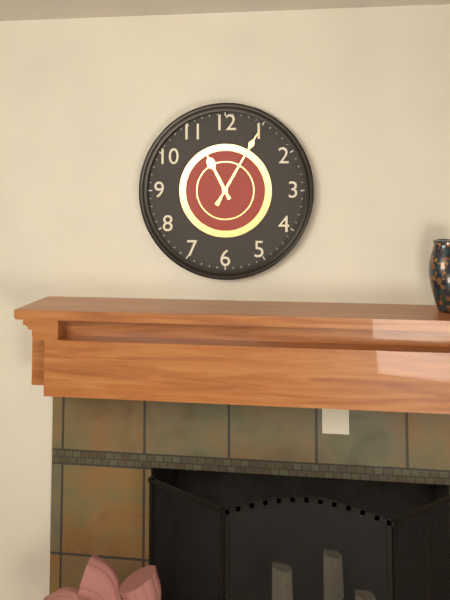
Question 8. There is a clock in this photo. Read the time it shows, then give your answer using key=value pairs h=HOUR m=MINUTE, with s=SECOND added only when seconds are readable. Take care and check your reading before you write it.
h=11 m=5
